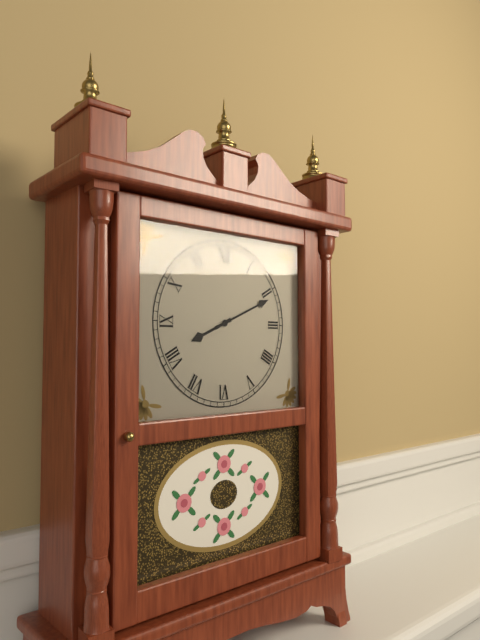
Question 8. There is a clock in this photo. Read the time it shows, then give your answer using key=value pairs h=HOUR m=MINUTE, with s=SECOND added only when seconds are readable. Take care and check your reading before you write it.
h=8 m=11
